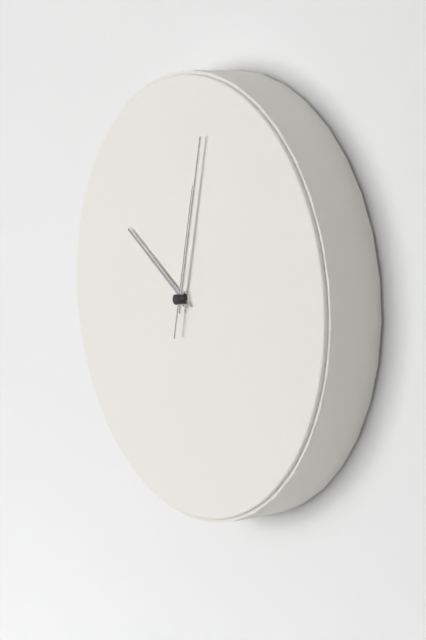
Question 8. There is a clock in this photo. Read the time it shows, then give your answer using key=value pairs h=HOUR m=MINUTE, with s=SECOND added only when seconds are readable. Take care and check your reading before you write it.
h=10 m=2 s=2
